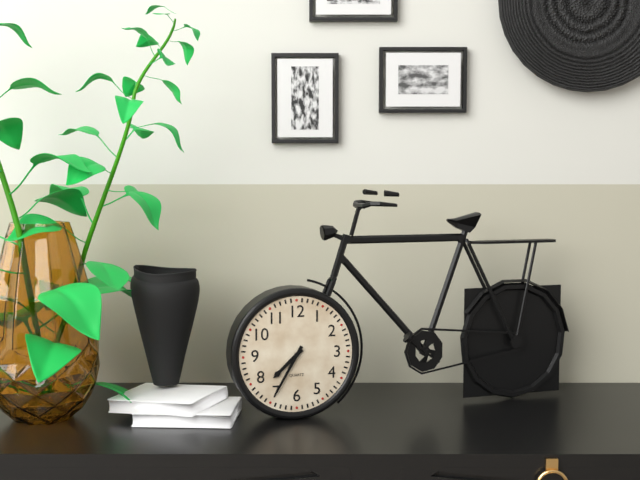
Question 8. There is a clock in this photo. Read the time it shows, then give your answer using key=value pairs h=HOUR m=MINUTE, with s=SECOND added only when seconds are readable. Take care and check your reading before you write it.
h=7 m=35
